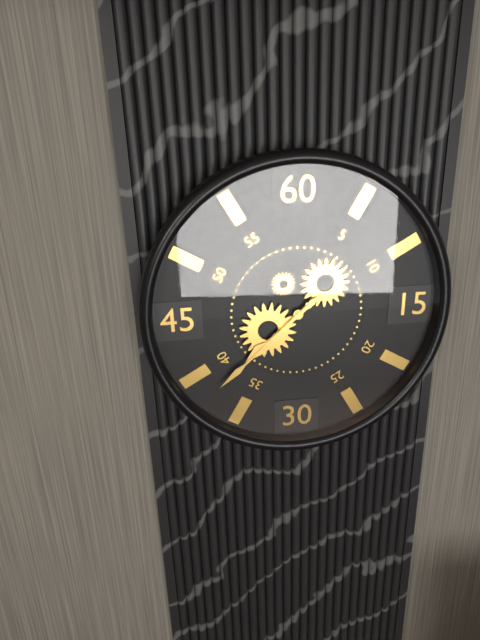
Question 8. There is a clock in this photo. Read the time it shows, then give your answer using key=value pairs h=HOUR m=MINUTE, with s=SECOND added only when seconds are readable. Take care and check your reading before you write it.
h=7 m=38
